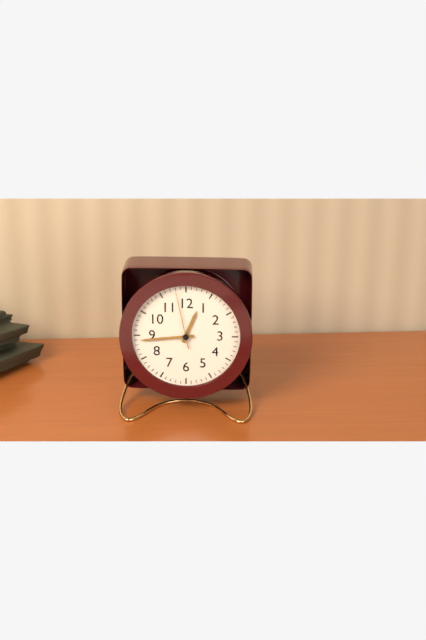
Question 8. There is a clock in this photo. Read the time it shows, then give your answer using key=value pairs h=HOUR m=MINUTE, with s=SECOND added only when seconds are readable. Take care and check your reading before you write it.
h=12 m=44 s=58
